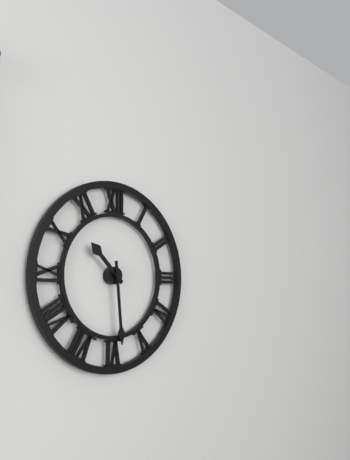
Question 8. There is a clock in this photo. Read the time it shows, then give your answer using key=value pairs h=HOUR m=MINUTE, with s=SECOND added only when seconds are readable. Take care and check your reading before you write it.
h=10 m=29
